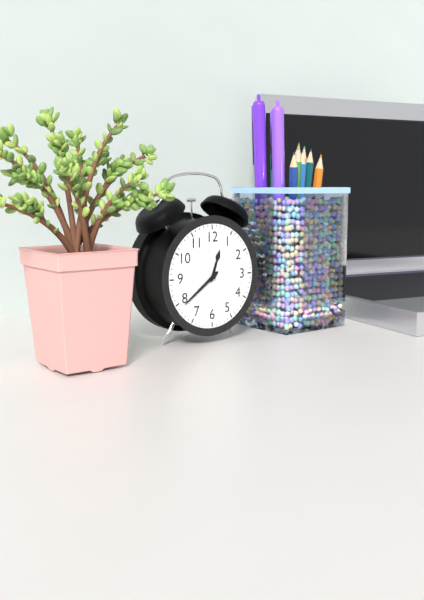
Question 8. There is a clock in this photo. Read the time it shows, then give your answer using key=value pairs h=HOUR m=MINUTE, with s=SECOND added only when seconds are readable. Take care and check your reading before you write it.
h=12 m=39
